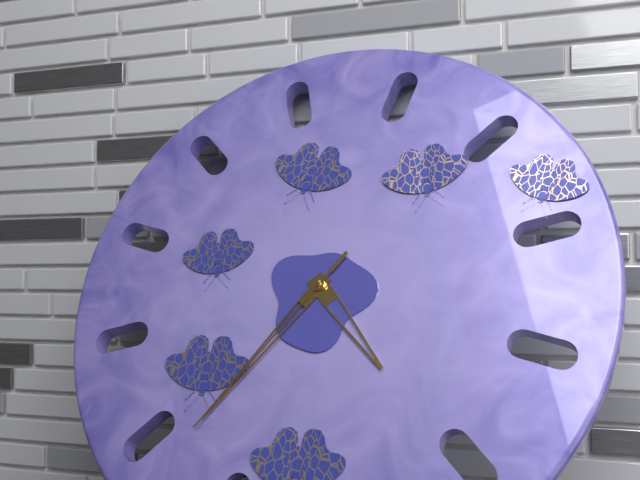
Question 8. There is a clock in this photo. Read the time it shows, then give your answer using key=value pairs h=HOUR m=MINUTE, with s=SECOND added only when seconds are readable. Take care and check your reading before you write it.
h=4 m=36 s=36
